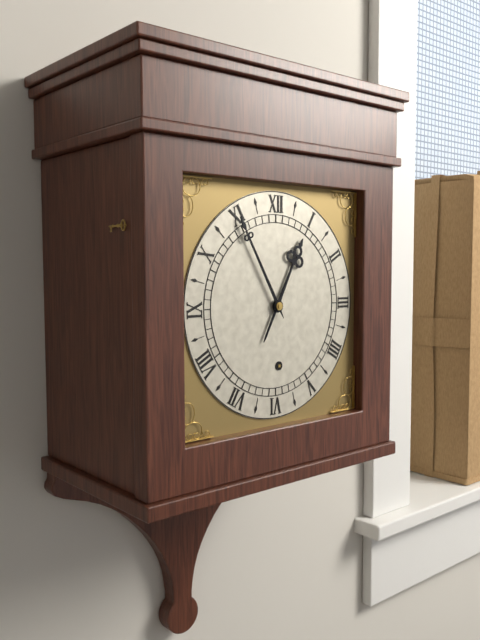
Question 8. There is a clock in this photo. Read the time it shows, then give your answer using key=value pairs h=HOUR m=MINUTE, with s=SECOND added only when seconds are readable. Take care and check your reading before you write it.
h=12 m=55
